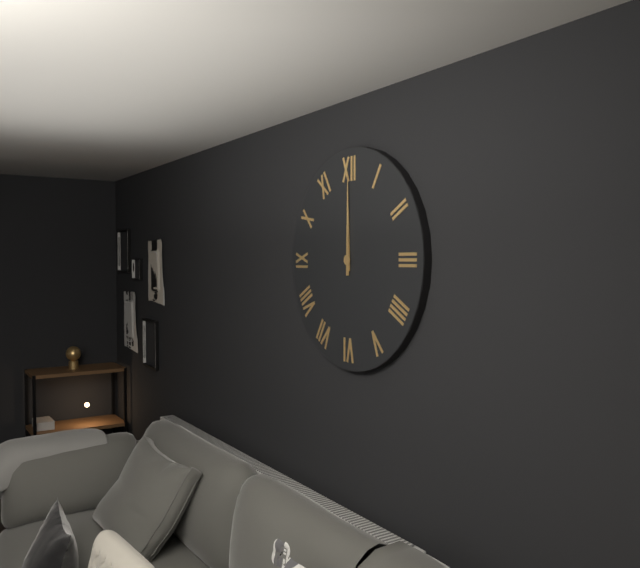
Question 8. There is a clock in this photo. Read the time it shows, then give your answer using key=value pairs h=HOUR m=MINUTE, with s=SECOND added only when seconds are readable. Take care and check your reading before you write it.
h=12 m=0
